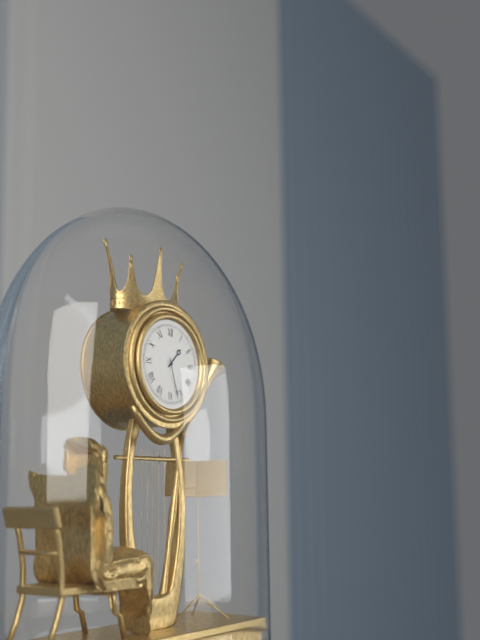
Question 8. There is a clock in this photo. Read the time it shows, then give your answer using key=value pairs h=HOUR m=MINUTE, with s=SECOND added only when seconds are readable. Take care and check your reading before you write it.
h=1 m=27
